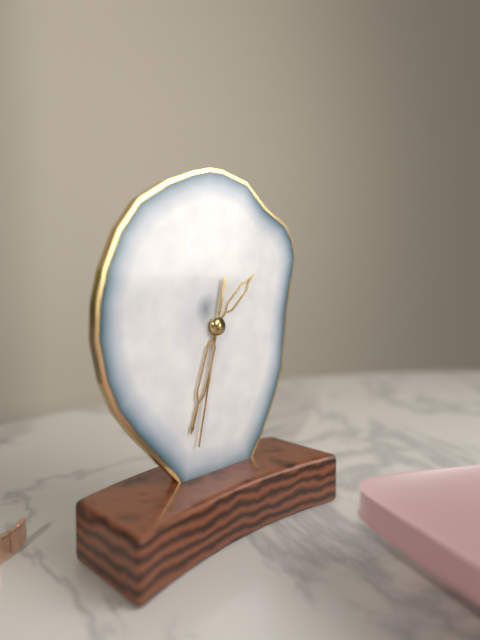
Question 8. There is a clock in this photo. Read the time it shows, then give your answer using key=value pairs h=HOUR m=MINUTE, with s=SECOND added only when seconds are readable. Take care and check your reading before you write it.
h=1 m=33 s=32
